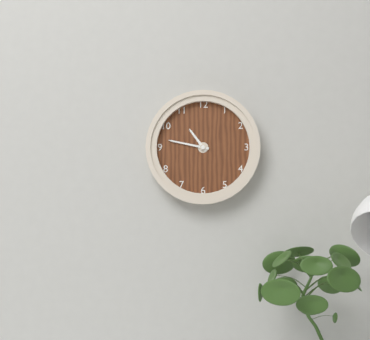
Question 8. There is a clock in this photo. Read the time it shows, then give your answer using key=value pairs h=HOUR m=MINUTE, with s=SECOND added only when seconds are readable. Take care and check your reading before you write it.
h=10 m=47
